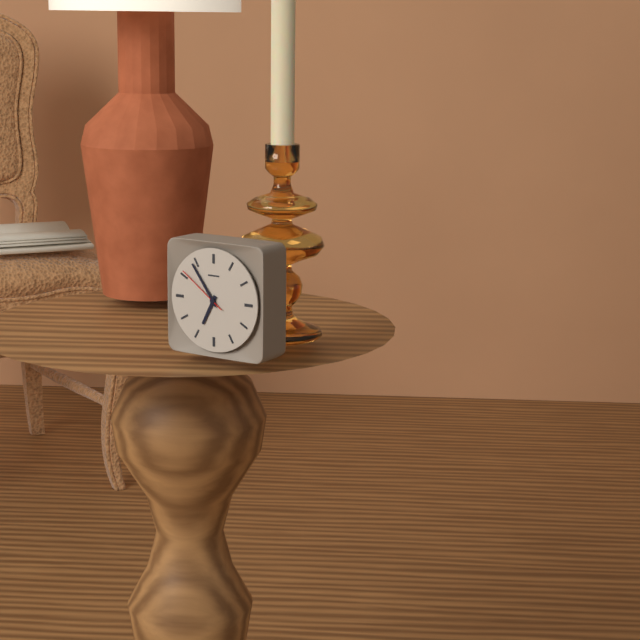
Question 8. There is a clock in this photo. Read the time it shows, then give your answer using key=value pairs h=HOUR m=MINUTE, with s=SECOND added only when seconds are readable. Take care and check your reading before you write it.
h=6 m=54 s=51
